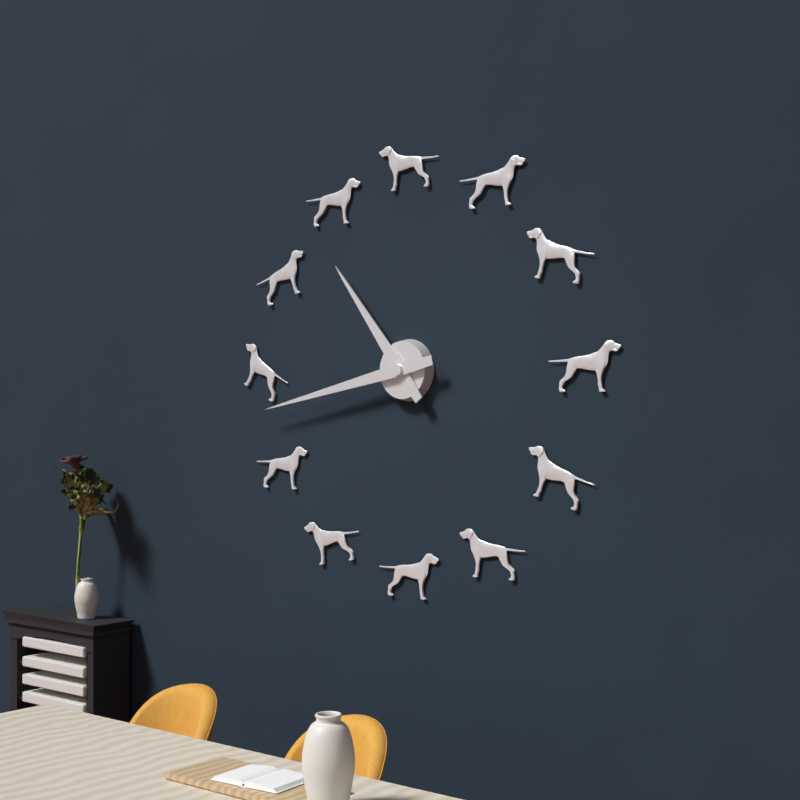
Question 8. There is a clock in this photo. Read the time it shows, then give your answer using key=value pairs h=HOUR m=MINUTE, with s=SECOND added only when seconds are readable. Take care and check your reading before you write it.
h=10 m=43
